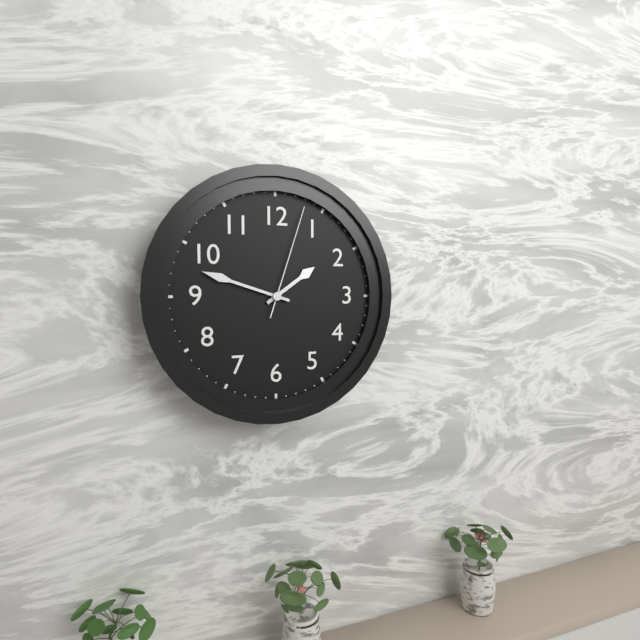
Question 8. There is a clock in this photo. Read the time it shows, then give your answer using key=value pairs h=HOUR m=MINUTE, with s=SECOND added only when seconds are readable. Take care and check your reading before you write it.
h=1 m=48 s=3
